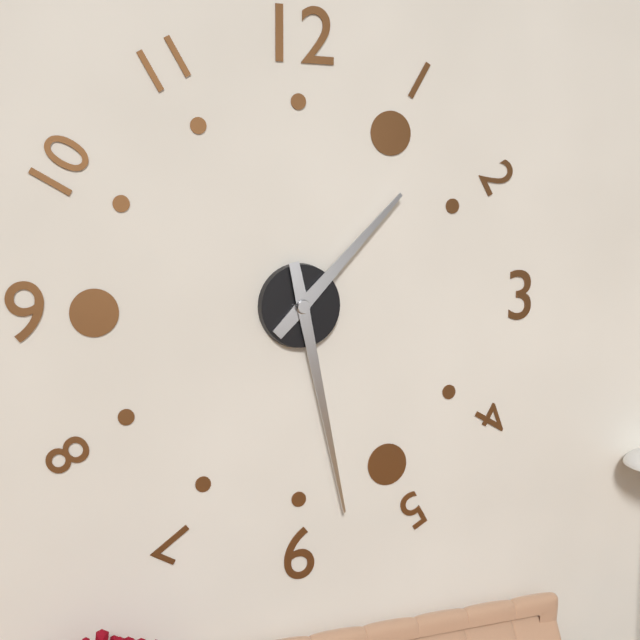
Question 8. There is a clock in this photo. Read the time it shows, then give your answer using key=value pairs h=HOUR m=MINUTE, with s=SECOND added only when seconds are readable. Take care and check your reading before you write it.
h=1 m=28
